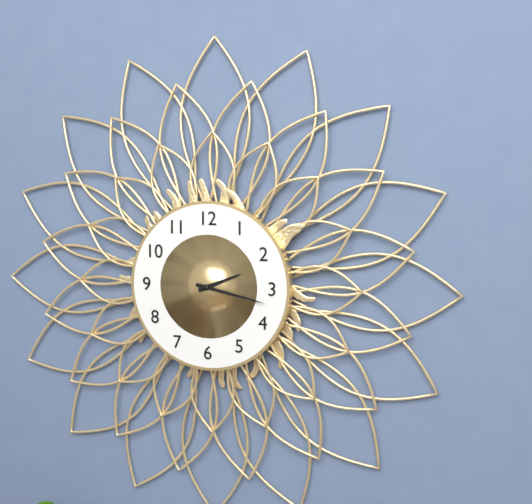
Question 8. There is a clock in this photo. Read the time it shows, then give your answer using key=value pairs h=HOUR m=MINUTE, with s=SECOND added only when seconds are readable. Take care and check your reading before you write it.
h=2 m=17
